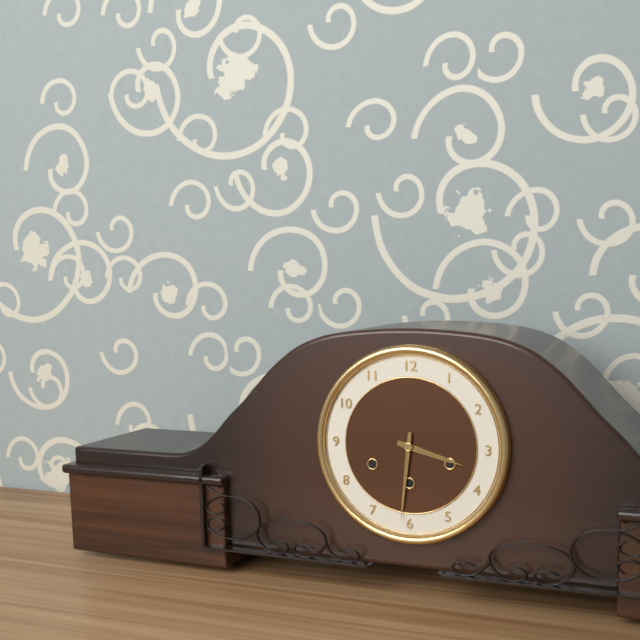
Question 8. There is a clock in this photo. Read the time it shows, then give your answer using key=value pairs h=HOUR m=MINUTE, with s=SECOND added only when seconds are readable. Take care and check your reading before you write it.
h=3 m=31
